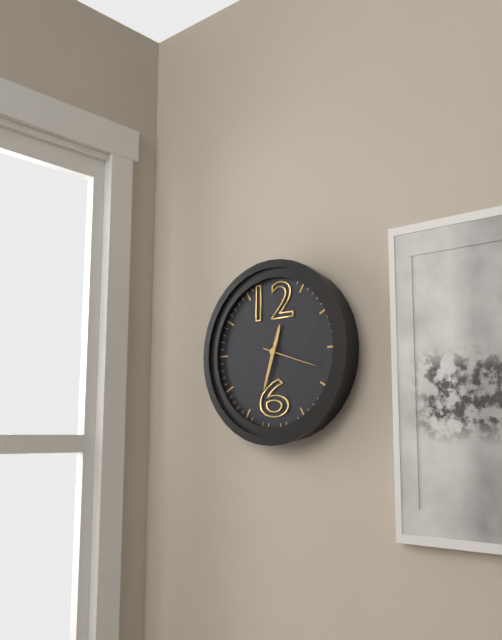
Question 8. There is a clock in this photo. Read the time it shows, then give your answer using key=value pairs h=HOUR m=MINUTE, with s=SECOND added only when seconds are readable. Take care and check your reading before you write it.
h=12 m=33 s=18
